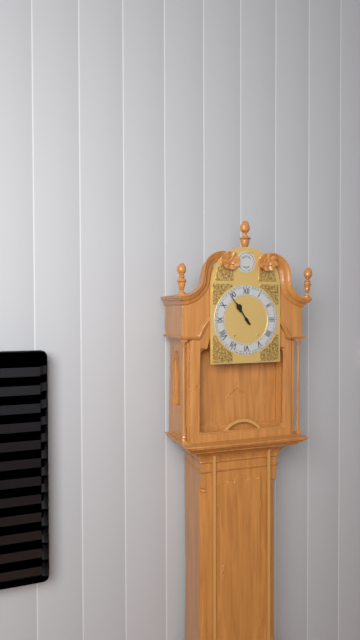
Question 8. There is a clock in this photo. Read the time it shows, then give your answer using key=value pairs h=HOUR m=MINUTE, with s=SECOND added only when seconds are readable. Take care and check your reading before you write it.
h=10 m=54
